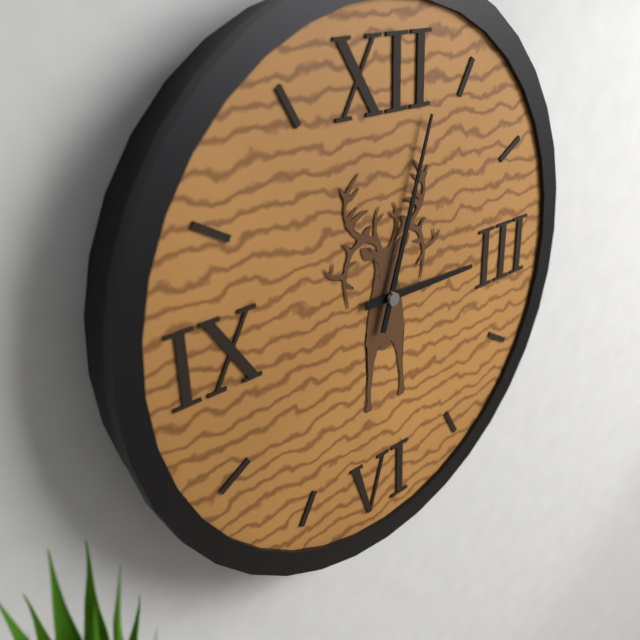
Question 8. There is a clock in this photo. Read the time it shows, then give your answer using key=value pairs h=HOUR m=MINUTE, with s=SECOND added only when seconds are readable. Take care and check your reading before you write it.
h=3 m=3
